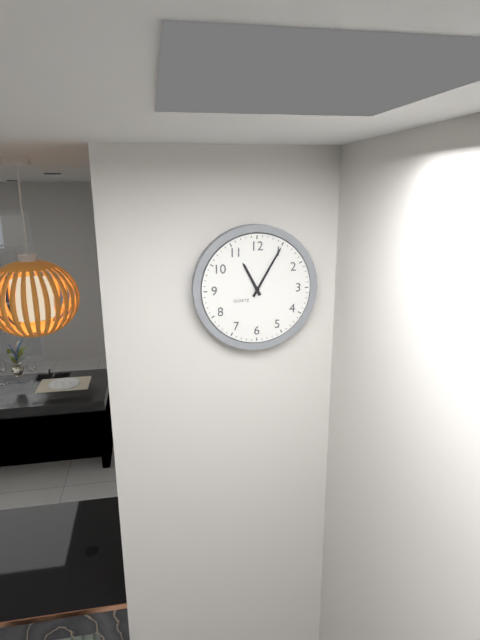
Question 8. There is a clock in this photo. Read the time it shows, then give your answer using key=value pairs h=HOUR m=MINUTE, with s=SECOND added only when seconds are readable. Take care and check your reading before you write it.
h=11 m=5
